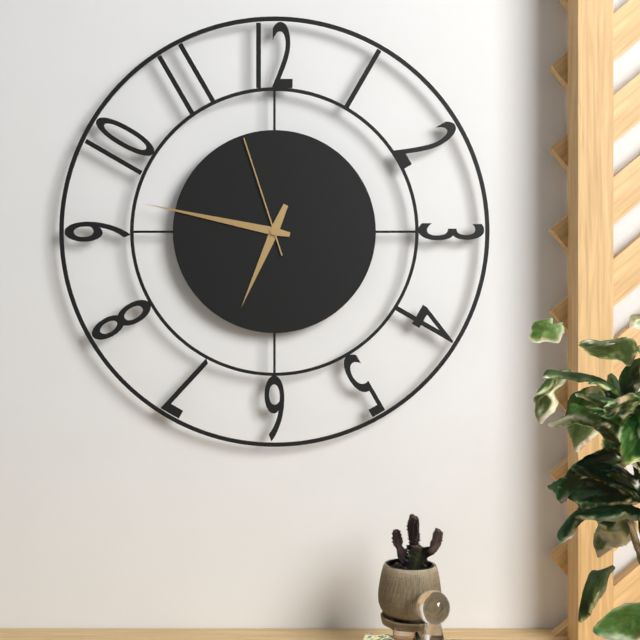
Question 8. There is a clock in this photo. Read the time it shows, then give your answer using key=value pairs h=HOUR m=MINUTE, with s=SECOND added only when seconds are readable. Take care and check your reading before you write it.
h=6 m=47 s=57
